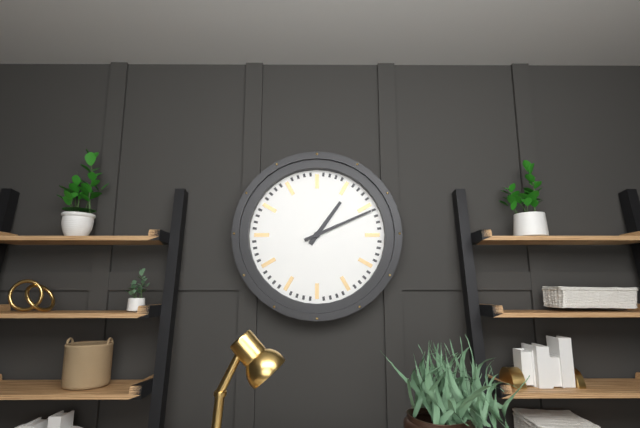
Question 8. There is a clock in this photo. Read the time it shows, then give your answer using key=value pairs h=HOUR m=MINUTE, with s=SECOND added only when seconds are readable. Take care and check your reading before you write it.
h=1 m=11
